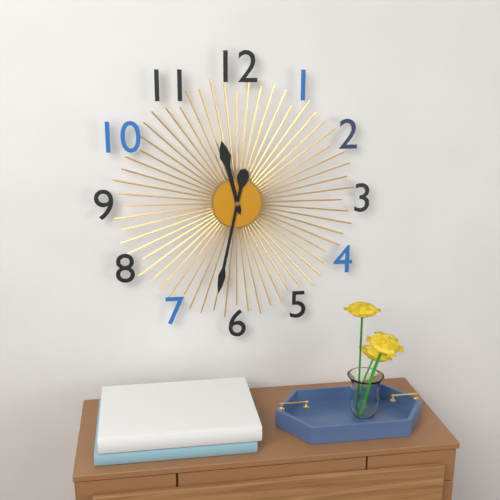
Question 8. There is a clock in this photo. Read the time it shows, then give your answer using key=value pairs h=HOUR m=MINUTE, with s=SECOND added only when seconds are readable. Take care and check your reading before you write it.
h=11 m=32
